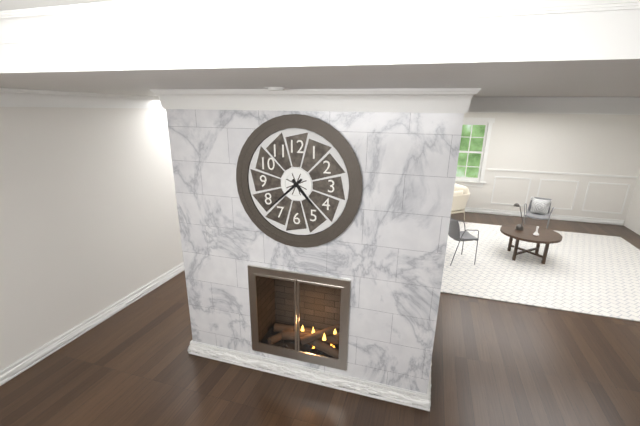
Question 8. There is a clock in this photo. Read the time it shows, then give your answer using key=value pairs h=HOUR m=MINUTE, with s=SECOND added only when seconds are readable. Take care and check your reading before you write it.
h=4 m=38
